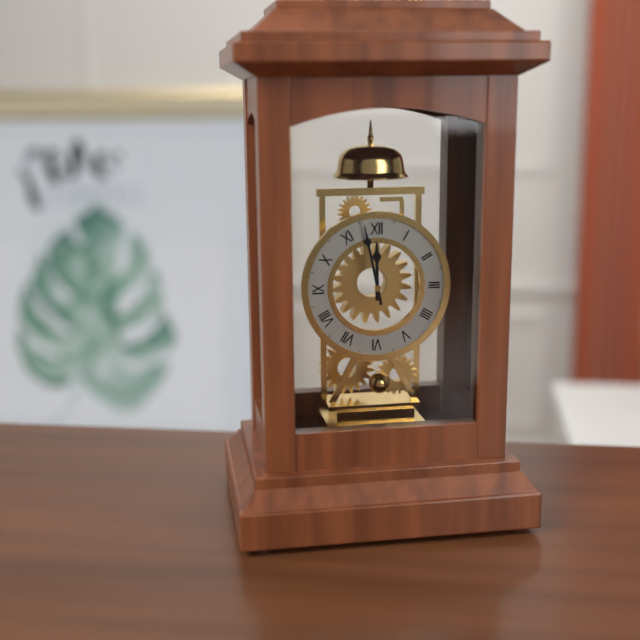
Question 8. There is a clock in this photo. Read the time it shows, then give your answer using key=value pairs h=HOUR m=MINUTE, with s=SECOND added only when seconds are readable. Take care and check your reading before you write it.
h=11 m=58
